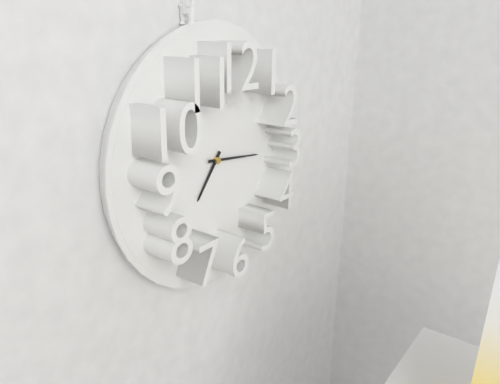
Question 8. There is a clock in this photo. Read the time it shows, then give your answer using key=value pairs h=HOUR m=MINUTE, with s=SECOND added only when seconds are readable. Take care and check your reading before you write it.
h=7 m=16
